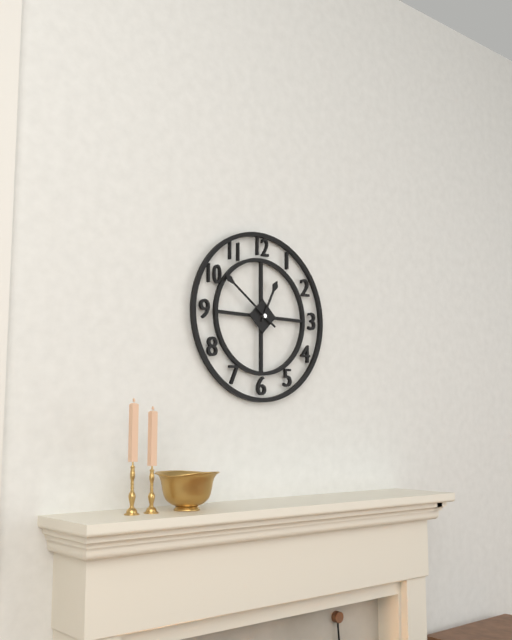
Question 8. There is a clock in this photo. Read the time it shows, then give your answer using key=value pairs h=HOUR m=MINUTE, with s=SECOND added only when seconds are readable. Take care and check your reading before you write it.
h=12 m=51
